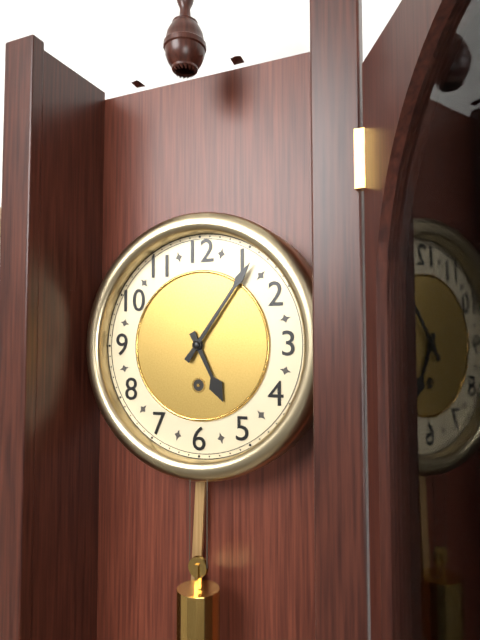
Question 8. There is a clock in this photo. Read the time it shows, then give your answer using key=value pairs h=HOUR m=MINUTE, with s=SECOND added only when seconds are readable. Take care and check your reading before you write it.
h=5 m=6
